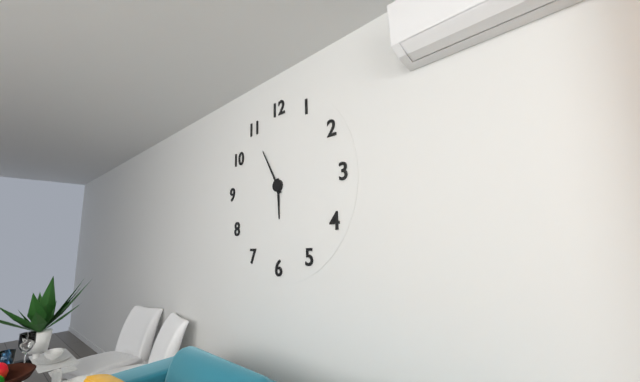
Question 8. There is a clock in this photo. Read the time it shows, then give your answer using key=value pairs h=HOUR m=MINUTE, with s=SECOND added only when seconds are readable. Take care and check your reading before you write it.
h=5 m=55
